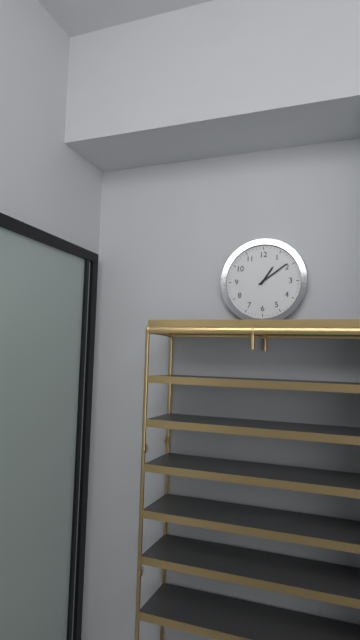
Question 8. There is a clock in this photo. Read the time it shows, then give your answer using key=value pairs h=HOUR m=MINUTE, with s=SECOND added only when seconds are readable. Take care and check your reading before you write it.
h=1 m=9
